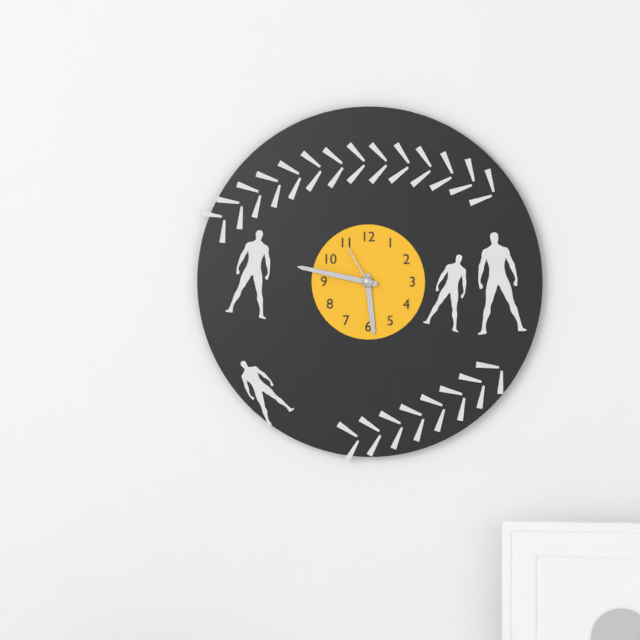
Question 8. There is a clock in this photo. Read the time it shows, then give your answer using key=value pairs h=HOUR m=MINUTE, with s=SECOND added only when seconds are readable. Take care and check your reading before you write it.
h=5 m=47 s=55
